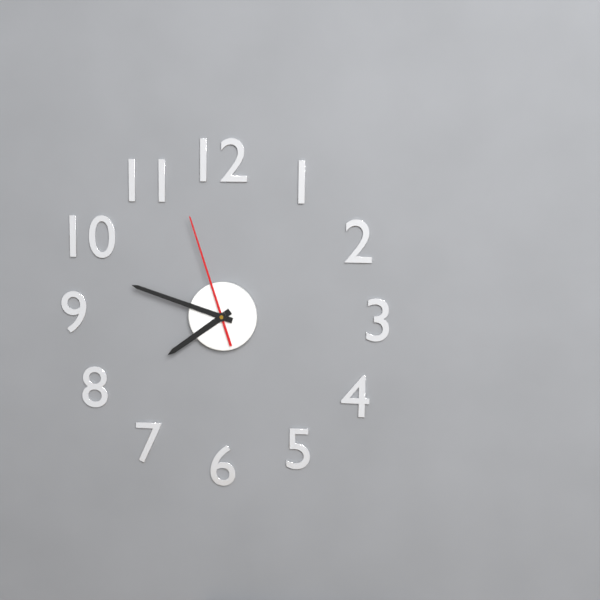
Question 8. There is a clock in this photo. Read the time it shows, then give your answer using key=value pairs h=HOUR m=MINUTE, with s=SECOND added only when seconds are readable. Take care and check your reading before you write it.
h=7 m=48 s=57
